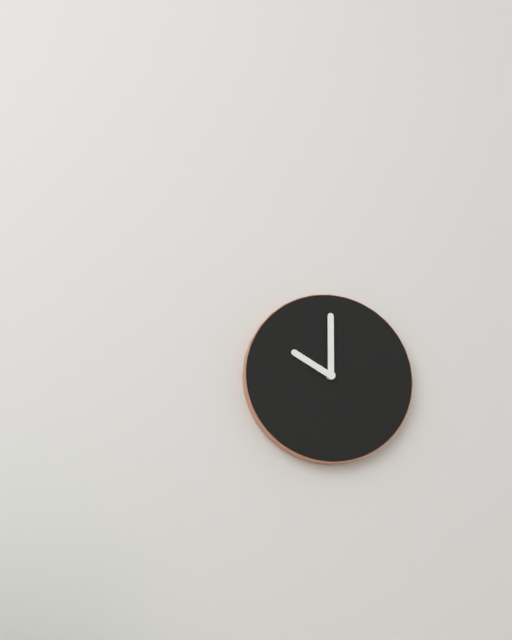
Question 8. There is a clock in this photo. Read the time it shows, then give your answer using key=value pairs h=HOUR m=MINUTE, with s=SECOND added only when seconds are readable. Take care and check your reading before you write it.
h=10 m=0
